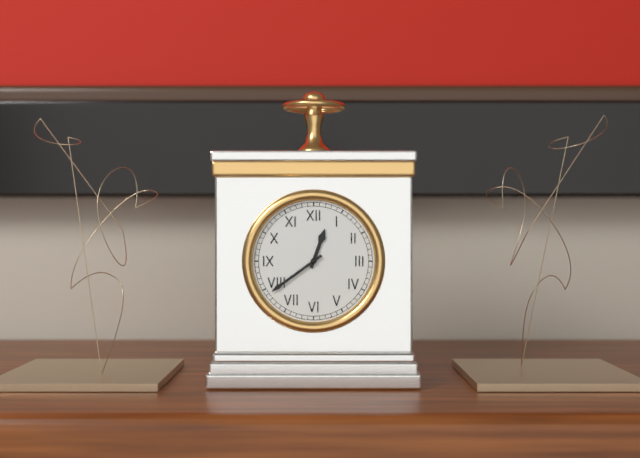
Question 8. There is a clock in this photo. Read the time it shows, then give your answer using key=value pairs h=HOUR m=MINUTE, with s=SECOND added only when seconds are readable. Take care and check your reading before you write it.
h=12 m=39
